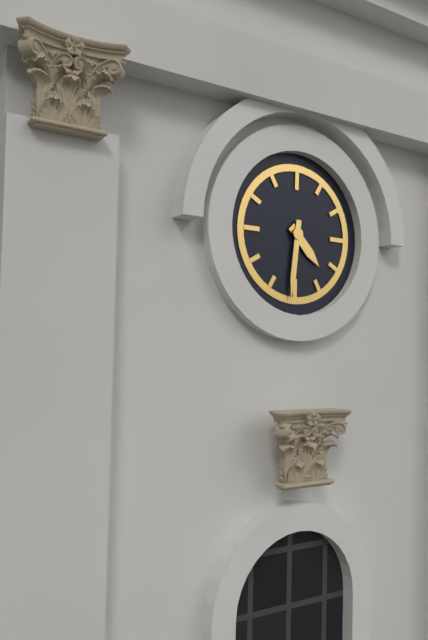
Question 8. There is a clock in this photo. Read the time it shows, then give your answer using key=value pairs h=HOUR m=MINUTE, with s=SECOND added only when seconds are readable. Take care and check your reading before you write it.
h=4 m=31
